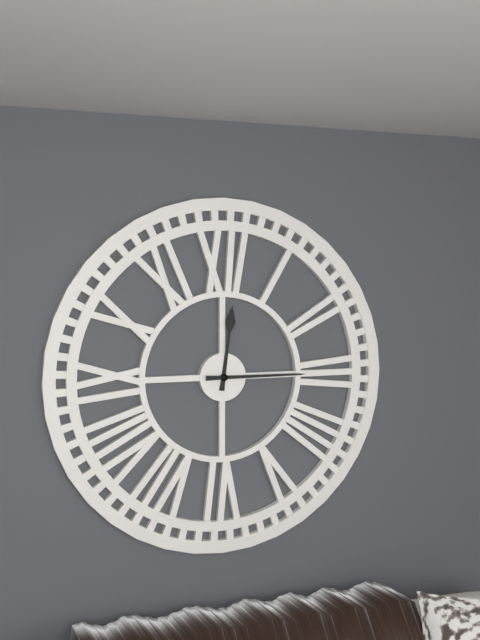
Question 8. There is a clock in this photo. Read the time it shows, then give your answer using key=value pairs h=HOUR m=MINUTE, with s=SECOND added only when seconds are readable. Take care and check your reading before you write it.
h=12 m=15
